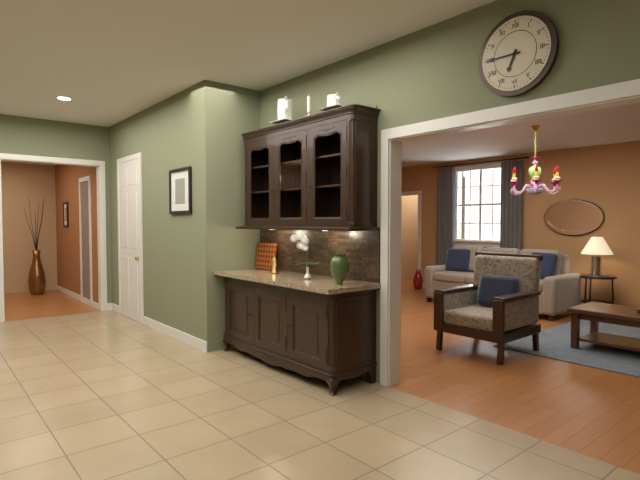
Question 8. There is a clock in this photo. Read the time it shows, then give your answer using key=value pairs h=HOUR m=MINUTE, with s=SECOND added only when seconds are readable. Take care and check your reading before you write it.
h=6 m=45
